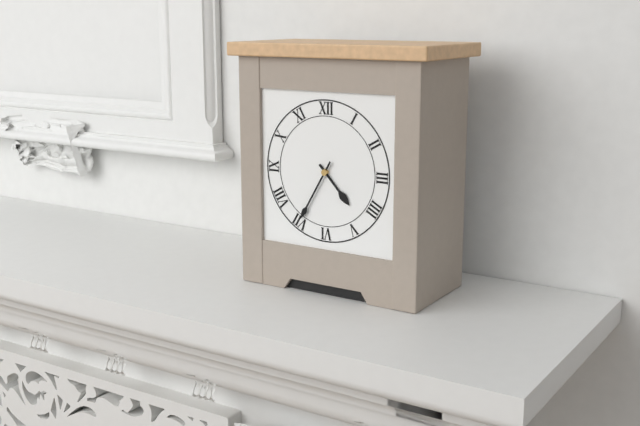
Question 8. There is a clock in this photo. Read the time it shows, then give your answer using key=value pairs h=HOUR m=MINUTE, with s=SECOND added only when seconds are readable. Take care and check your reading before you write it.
h=4 m=35
